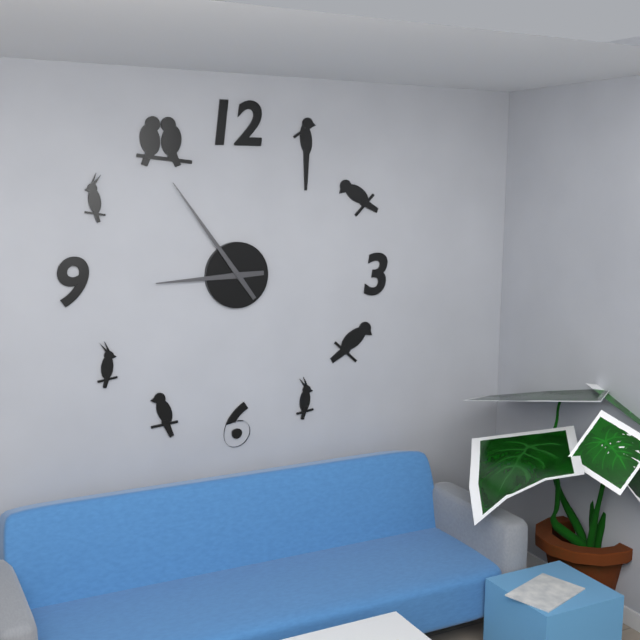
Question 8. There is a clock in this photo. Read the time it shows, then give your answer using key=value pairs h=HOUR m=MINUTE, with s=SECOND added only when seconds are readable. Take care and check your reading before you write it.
h=8 m=54
